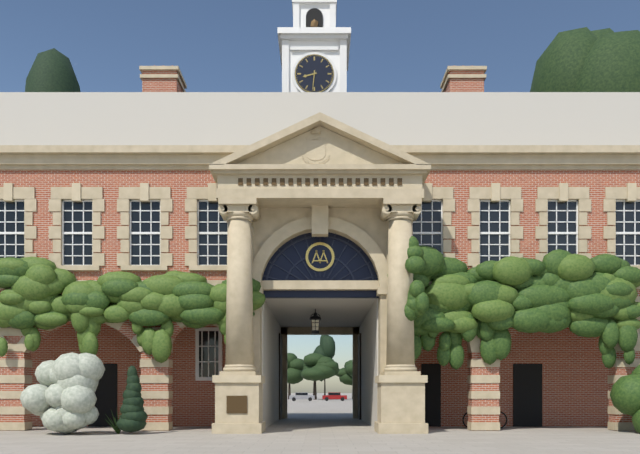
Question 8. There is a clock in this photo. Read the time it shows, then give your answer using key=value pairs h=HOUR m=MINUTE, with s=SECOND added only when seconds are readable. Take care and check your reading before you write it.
h=8 m=31
